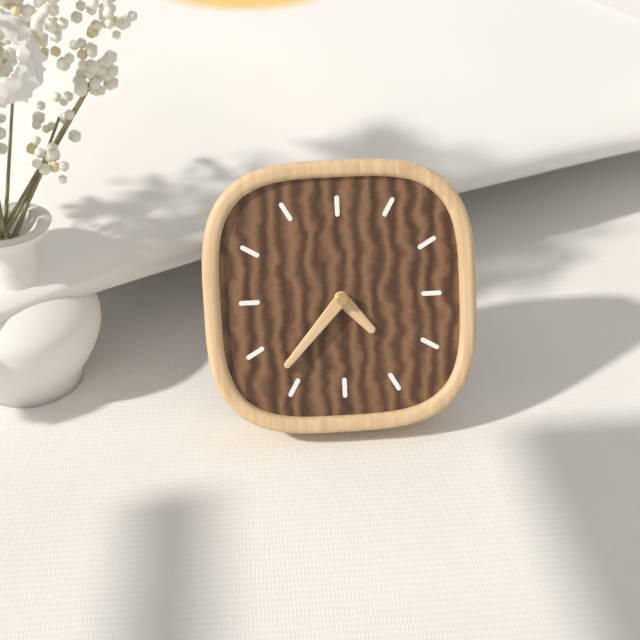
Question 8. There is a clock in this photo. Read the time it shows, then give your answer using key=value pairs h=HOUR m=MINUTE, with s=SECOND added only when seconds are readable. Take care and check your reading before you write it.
h=4 m=37
